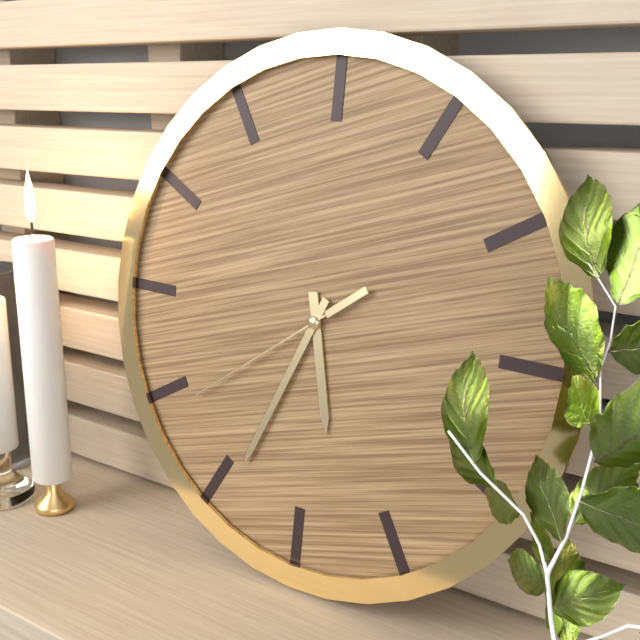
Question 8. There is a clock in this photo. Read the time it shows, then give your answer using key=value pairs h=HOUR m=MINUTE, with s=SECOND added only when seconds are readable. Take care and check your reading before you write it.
h=5 m=34 s=39
